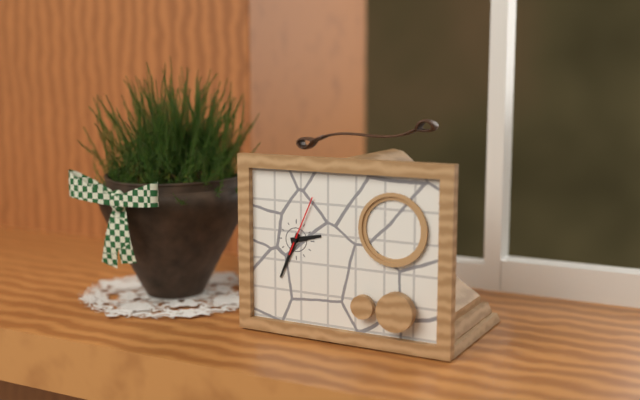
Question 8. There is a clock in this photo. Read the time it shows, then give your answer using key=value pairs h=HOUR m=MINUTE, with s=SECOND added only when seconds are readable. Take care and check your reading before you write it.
h=2 m=34 s=4
